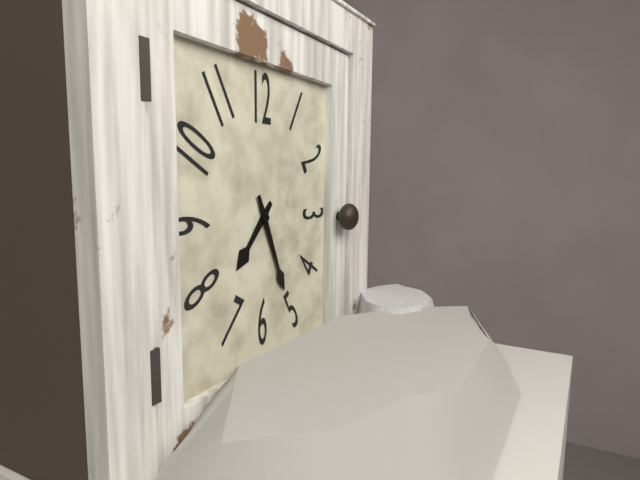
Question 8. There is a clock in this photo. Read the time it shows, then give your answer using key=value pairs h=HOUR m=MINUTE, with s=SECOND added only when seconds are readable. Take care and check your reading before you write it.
h=7 m=26
